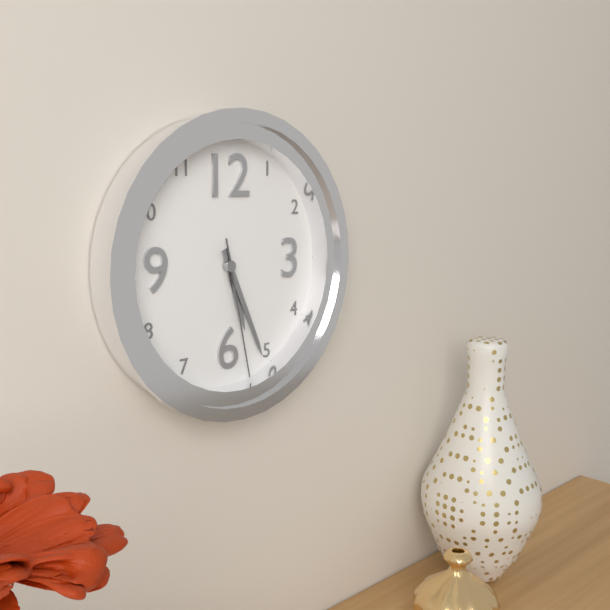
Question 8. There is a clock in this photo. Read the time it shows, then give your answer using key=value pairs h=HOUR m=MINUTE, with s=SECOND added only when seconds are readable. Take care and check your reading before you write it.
h=5 m=26 s=28
